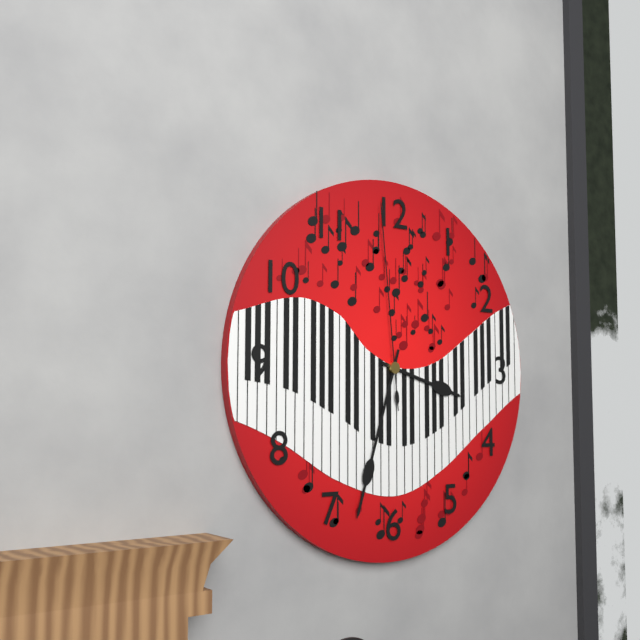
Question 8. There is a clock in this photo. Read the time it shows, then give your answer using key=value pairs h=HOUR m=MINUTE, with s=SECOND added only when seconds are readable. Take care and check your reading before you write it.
h=3 m=33 s=59
